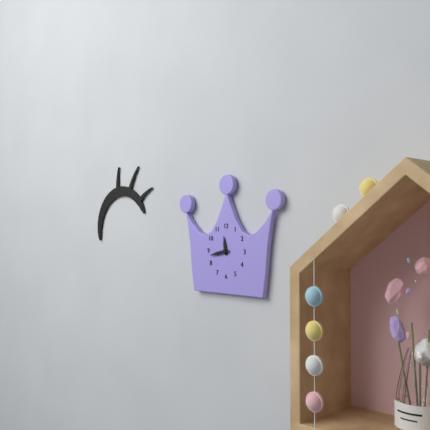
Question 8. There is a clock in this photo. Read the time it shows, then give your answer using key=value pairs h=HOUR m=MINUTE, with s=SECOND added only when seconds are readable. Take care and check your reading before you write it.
h=11 m=43
